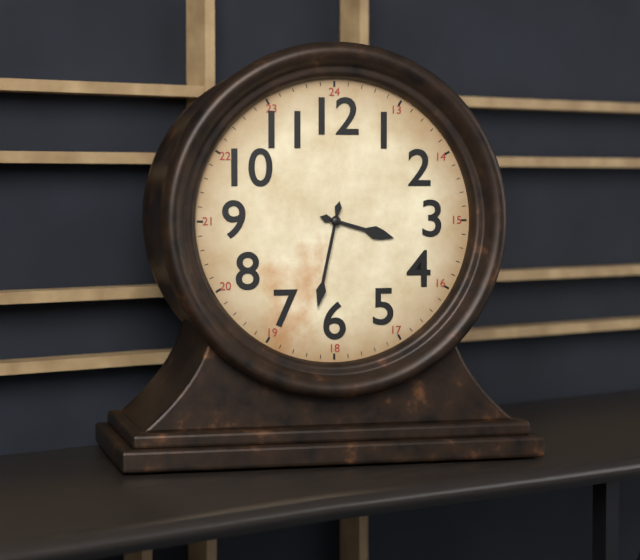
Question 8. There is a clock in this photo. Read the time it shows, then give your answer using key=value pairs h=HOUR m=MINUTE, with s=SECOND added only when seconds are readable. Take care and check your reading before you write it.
h=3 m=32
